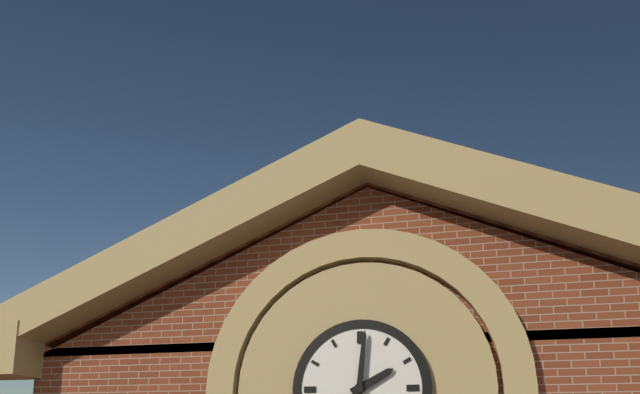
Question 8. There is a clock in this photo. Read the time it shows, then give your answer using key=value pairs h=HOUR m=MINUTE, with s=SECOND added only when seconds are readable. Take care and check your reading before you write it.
h=2 m=1
